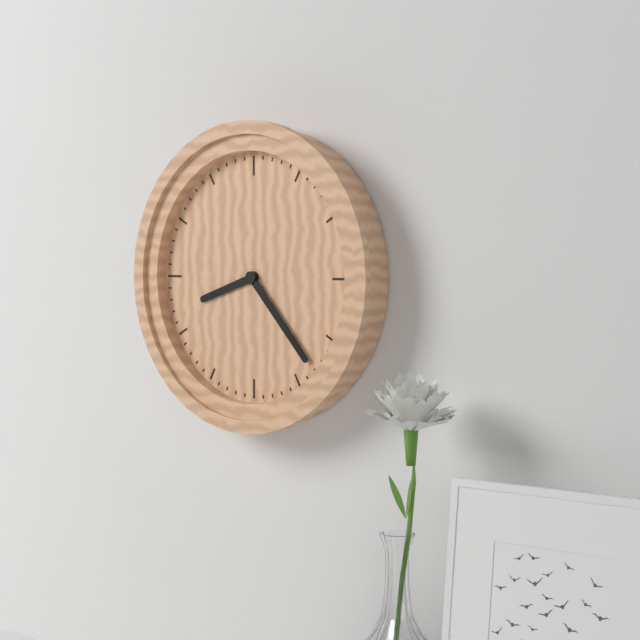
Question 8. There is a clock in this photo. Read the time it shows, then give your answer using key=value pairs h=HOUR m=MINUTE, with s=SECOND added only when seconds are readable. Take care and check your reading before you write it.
h=8 m=23
